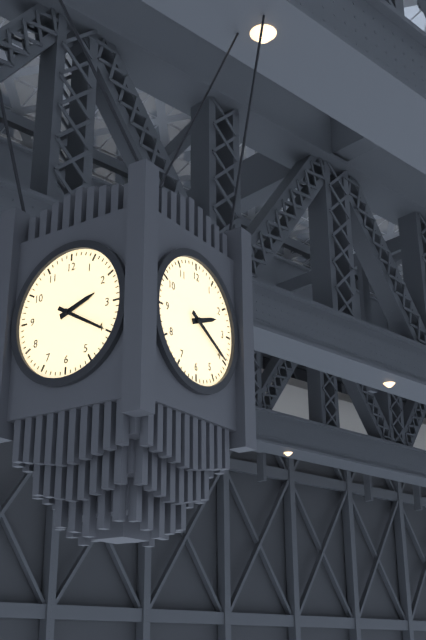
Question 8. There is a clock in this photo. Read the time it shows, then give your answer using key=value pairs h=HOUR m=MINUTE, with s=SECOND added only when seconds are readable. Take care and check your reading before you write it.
h=2 m=20
